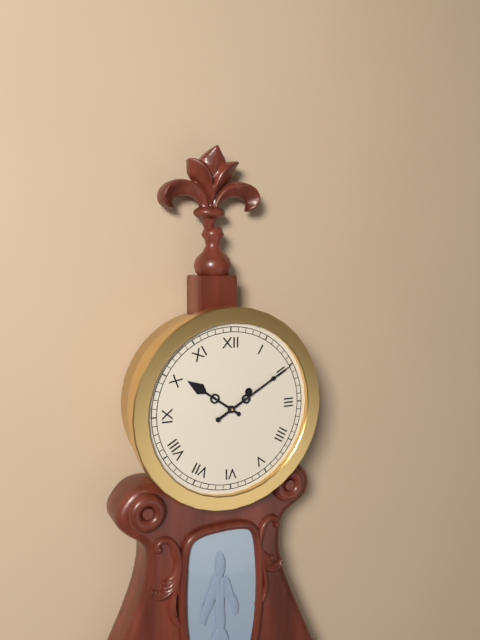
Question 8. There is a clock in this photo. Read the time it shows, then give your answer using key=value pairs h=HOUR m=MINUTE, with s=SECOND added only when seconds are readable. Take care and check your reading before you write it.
h=10 m=10
